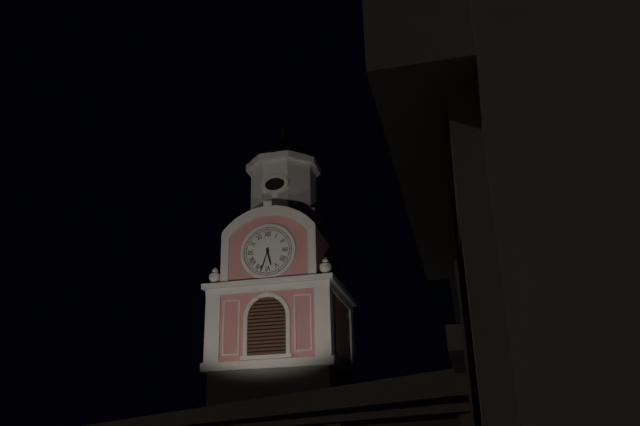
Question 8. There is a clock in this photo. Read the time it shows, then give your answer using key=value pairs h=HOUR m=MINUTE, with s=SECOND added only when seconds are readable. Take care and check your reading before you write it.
h=5 m=33
